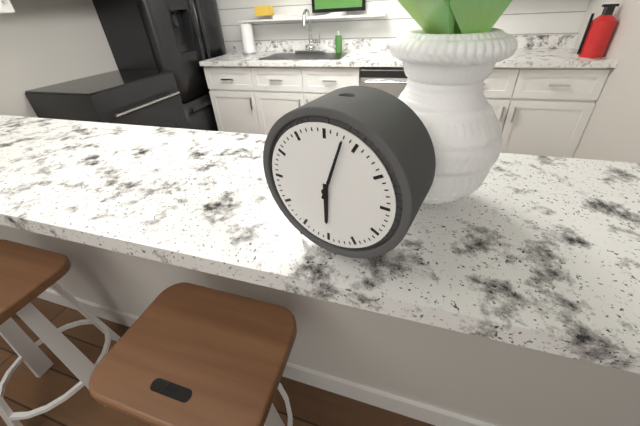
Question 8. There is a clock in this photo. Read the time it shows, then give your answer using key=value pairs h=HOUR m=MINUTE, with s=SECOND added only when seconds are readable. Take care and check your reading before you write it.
h=6 m=3
